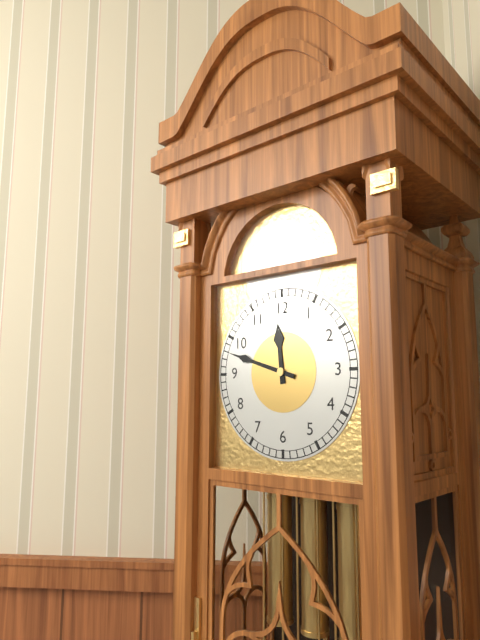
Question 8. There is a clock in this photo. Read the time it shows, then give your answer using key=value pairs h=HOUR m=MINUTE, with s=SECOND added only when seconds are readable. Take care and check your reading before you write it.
h=11 m=48
